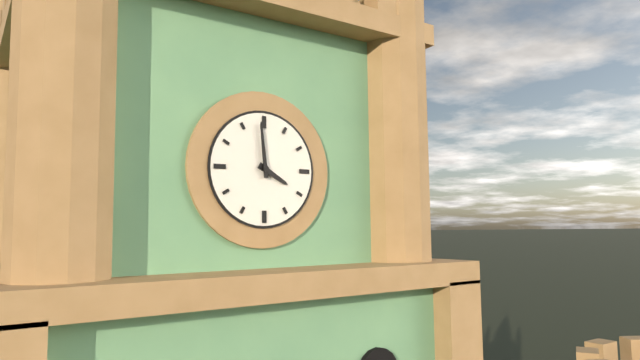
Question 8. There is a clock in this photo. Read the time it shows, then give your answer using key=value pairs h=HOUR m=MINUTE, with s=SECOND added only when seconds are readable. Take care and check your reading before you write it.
h=3 m=59
